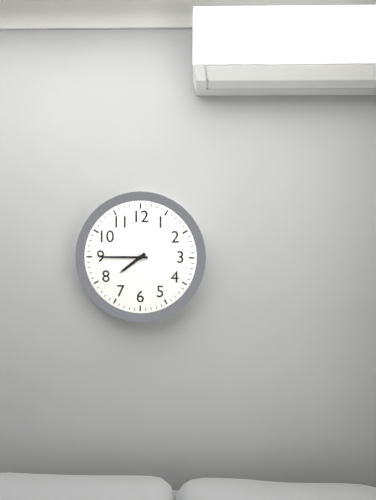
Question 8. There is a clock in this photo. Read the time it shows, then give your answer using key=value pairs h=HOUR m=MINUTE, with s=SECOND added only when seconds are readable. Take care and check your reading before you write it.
h=7 m=45
